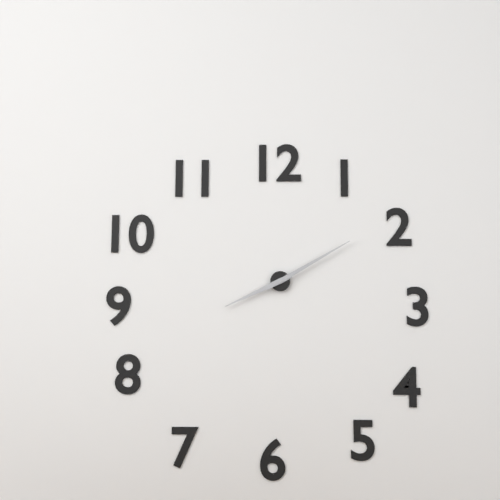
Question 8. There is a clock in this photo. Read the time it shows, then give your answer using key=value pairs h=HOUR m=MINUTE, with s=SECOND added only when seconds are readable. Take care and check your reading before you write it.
h=8 m=10
